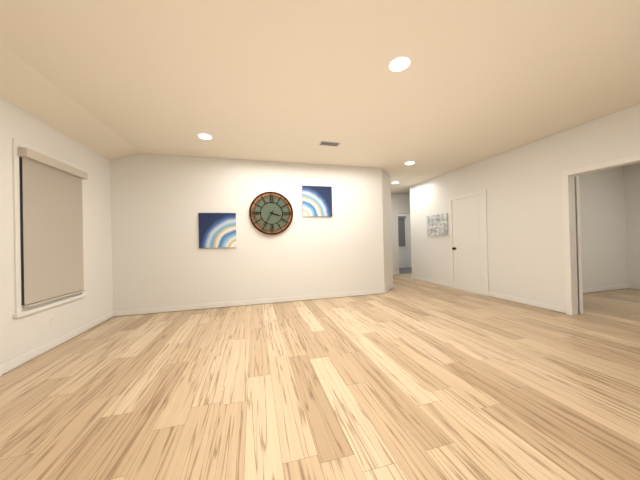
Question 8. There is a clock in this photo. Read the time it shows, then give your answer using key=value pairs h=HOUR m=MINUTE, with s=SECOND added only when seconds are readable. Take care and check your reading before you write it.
h=3 m=35
